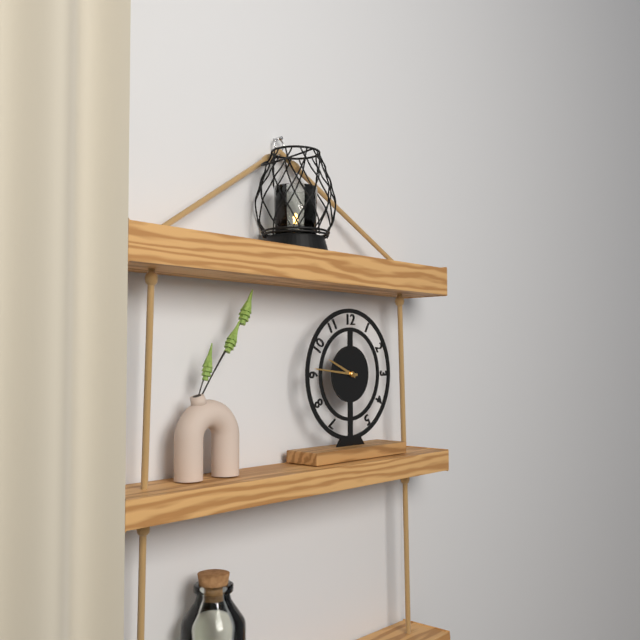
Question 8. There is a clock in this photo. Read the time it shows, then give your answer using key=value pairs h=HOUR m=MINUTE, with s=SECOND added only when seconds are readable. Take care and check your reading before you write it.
h=9 m=46
